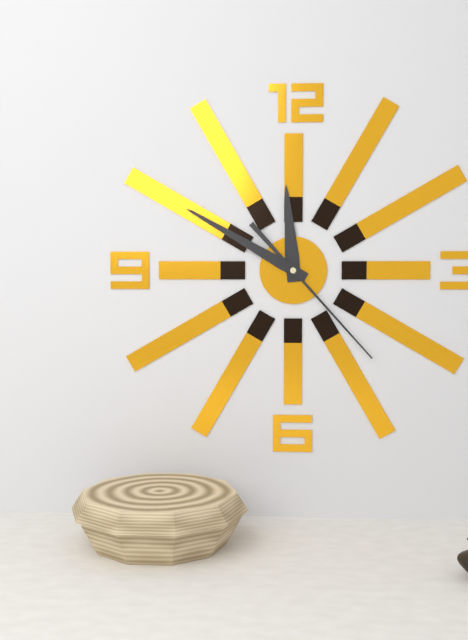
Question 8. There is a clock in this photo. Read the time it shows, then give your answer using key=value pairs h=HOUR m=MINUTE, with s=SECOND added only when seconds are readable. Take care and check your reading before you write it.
h=11 m=50 s=23
